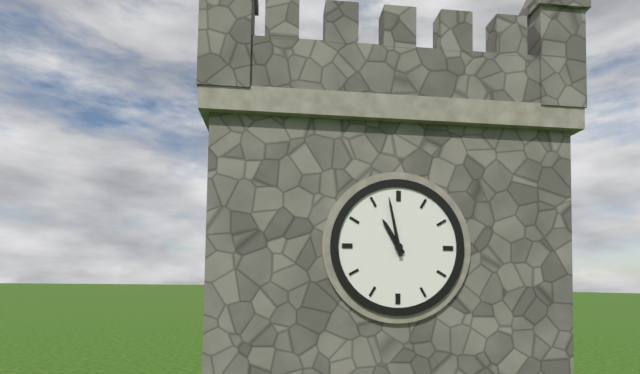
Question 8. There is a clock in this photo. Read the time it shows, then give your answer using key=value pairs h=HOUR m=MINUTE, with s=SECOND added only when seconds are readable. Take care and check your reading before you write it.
h=10 m=58
